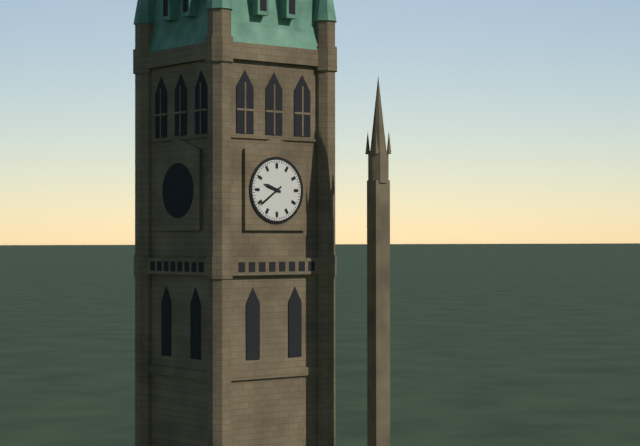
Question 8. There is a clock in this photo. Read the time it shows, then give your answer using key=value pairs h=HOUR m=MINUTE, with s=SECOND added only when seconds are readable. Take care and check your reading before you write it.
h=9 m=39
